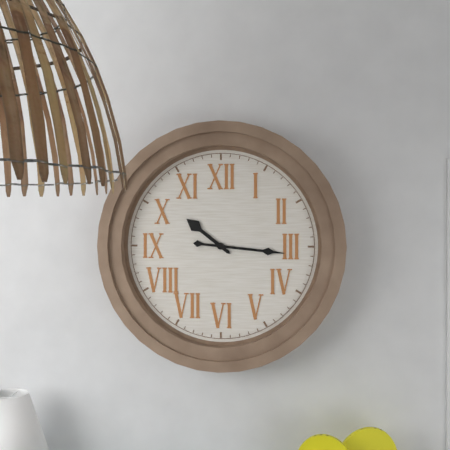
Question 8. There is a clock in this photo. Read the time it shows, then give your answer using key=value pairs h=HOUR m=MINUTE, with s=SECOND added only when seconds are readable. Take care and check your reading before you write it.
h=10 m=16
